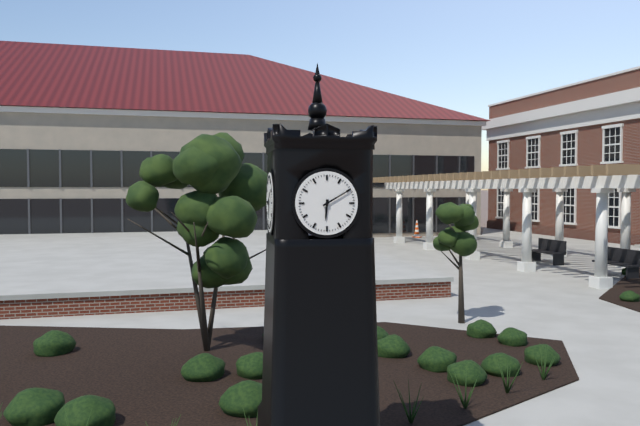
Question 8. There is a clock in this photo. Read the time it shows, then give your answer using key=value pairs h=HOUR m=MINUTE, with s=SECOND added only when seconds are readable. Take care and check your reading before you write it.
h=6 m=10
